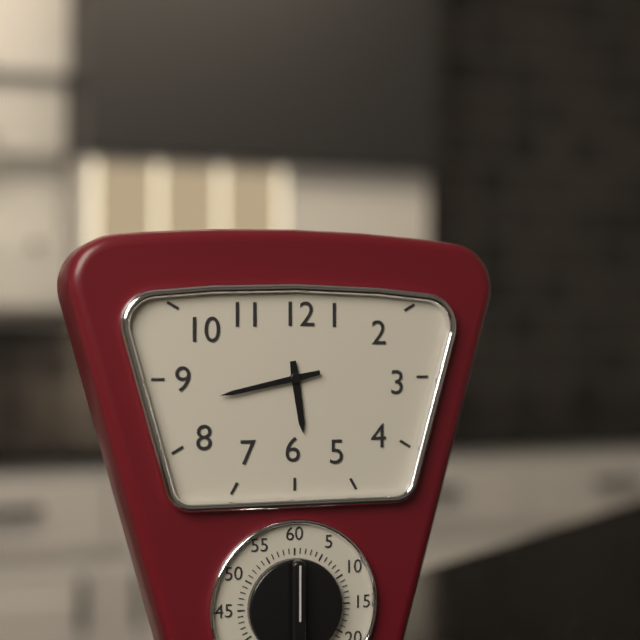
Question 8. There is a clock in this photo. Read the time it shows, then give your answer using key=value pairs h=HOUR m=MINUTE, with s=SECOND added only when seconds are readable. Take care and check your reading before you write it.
h=5 m=43
